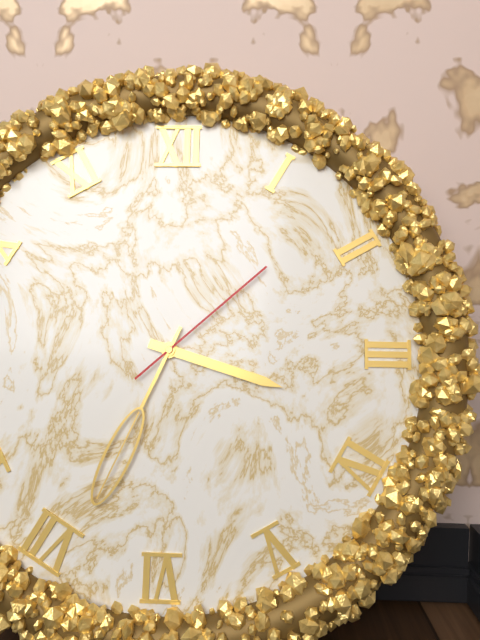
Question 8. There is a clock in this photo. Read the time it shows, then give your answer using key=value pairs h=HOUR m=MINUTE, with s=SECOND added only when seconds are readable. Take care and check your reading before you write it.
h=3 m=34 s=8
